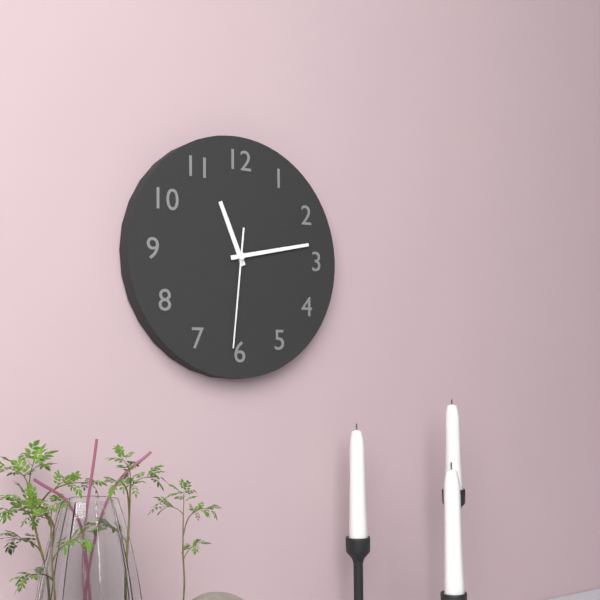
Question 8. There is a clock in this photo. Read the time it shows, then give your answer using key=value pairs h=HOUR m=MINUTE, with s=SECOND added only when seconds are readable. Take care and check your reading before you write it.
h=11 m=13 s=31
